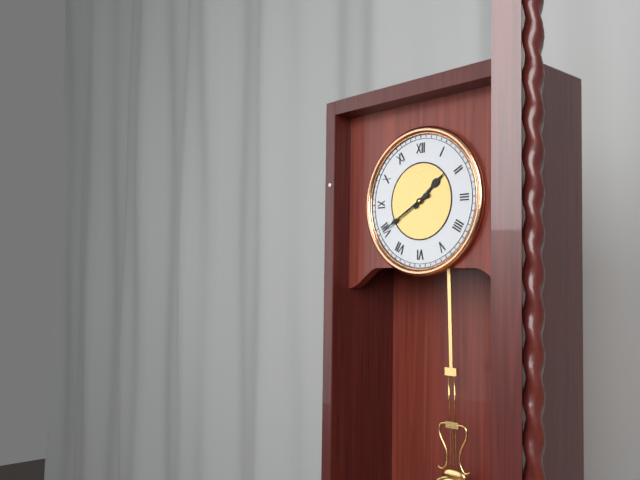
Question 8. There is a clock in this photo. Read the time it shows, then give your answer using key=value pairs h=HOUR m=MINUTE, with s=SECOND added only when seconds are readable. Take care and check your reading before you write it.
h=1 m=40
